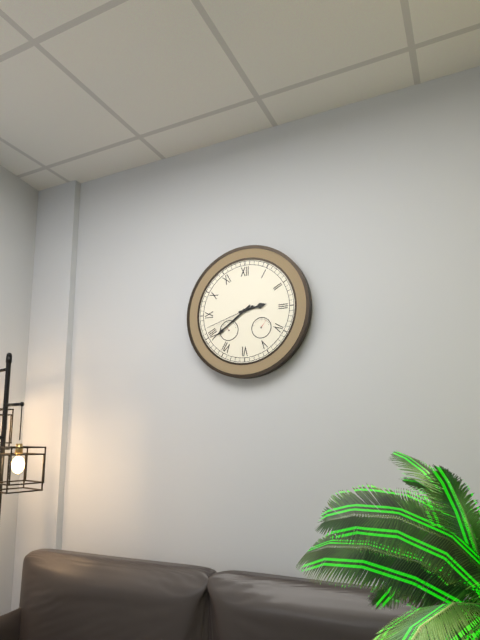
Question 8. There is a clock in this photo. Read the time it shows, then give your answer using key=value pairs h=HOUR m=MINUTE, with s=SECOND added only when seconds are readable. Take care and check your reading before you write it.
h=2 m=39 s=42
